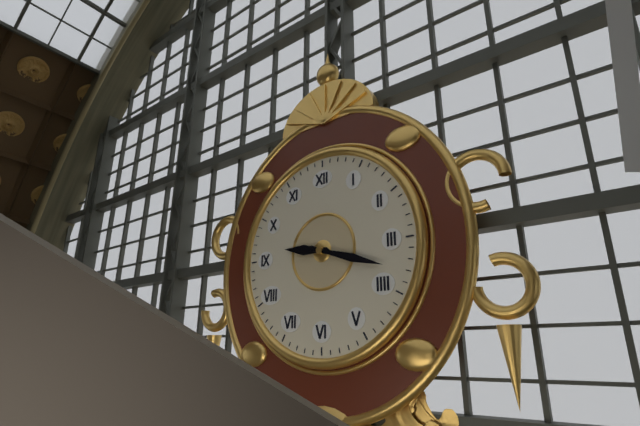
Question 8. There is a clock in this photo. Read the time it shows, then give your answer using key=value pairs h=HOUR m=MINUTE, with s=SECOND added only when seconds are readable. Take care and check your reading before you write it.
h=9 m=18
